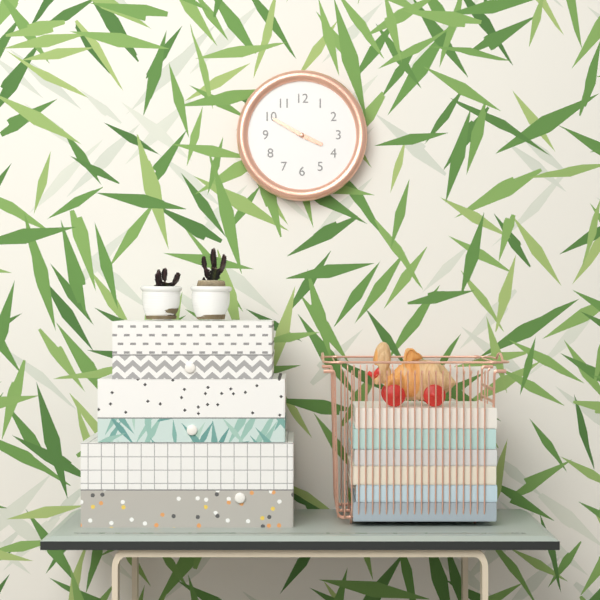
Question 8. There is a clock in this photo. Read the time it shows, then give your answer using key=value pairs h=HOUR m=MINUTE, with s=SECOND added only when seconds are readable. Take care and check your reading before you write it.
h=3 m=50
